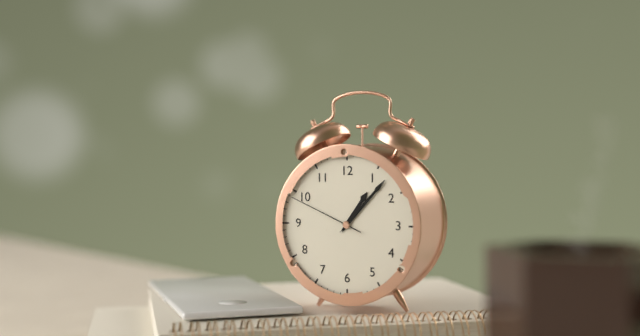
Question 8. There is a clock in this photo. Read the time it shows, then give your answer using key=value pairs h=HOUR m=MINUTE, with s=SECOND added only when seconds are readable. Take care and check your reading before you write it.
h=1 m=7 s=49
